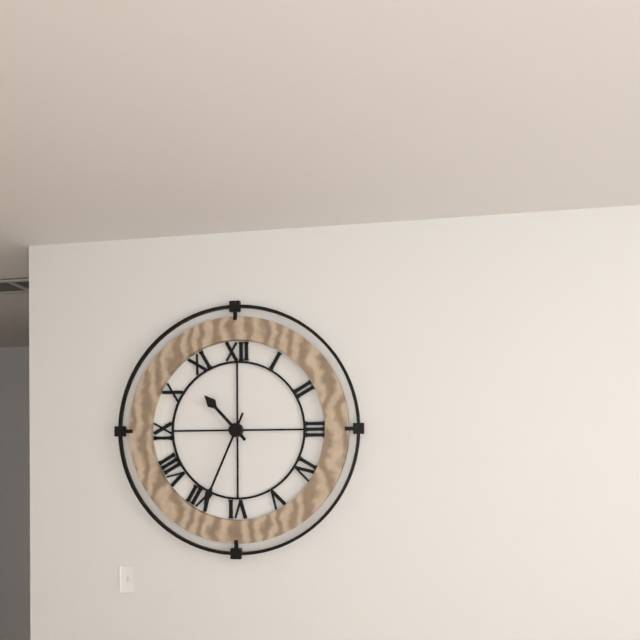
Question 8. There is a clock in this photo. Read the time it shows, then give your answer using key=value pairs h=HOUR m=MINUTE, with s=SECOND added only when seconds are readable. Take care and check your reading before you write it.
h=10 m=34
